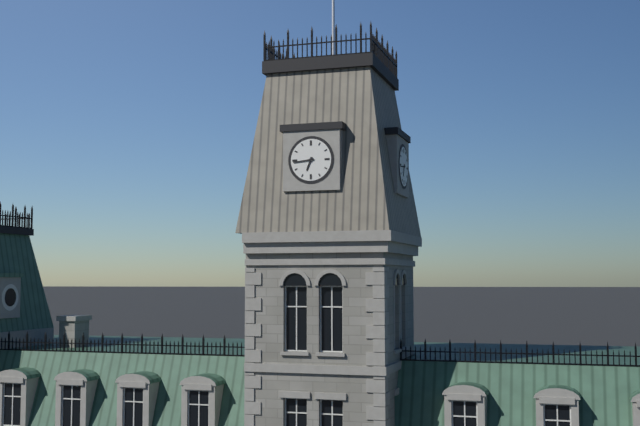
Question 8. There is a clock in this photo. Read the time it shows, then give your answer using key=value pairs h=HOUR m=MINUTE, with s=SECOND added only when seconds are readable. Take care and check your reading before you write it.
h=6 m=44
